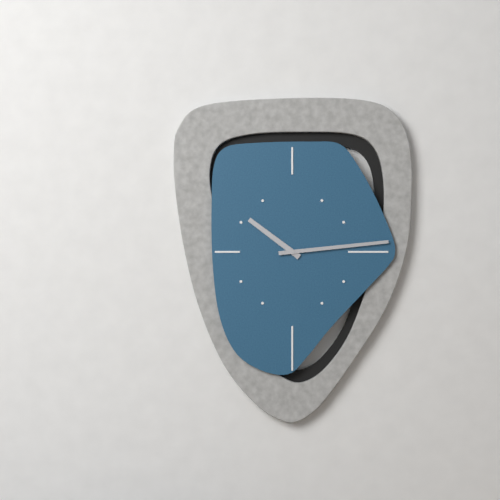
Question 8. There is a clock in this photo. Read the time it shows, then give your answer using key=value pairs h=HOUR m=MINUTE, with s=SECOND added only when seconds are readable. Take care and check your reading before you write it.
h=10 m=14
